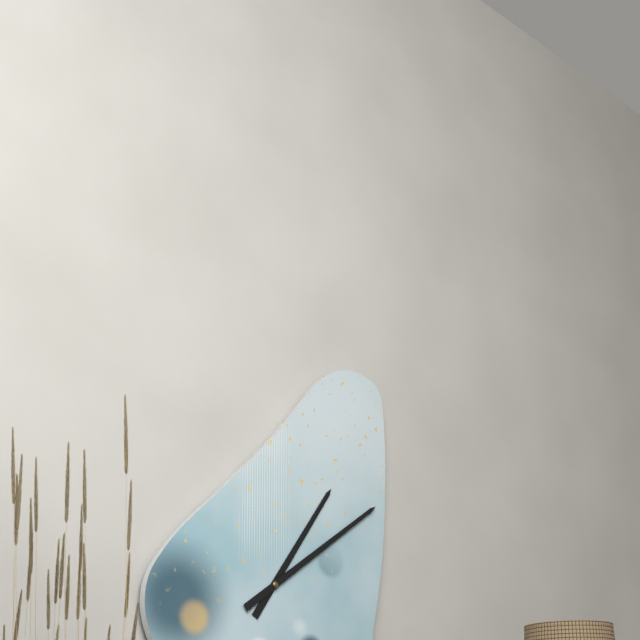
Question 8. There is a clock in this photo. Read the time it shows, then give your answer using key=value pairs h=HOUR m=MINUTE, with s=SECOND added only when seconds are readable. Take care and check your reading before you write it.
h=1 m=9
